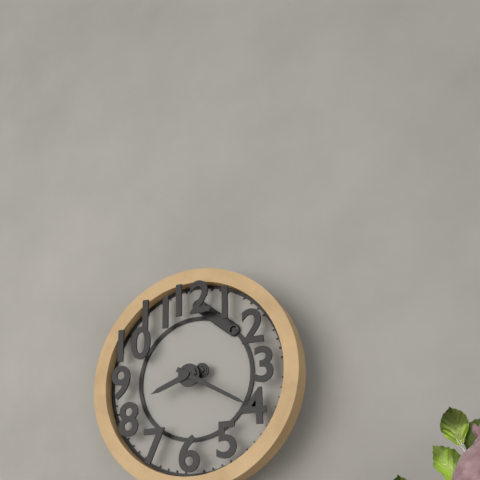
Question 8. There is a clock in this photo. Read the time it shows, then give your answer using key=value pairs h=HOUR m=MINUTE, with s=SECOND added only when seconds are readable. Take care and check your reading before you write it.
h=8 m=20
